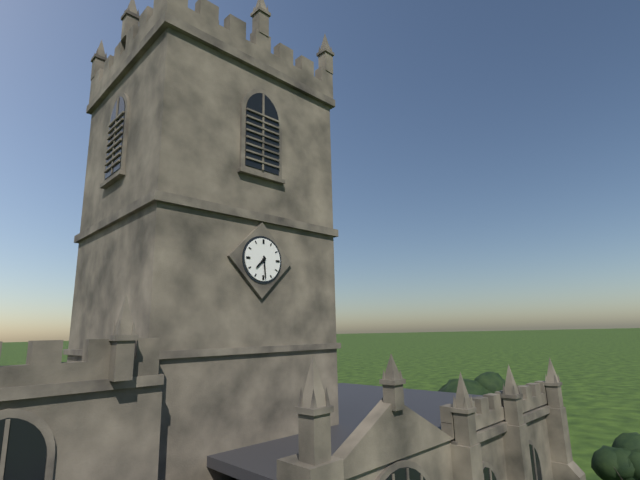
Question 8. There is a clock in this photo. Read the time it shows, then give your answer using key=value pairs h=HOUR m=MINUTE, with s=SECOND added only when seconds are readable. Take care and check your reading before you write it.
h=7 m=29
